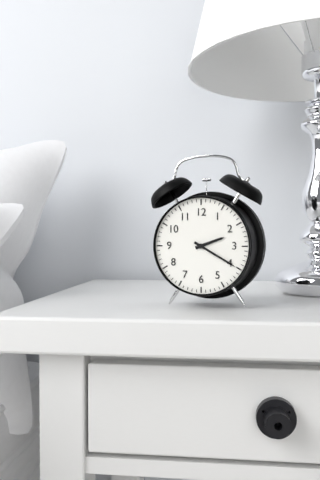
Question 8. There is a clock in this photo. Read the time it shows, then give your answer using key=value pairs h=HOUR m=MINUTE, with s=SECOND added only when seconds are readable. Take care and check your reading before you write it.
h=2 m=20
